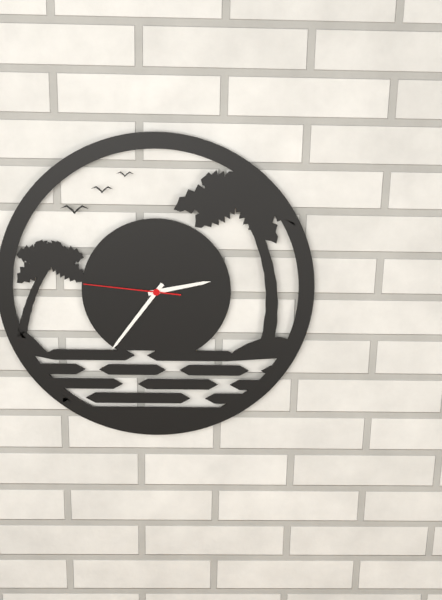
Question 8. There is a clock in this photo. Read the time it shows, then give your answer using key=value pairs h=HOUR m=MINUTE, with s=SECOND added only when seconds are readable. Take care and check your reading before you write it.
h=2 m=36 s=46
